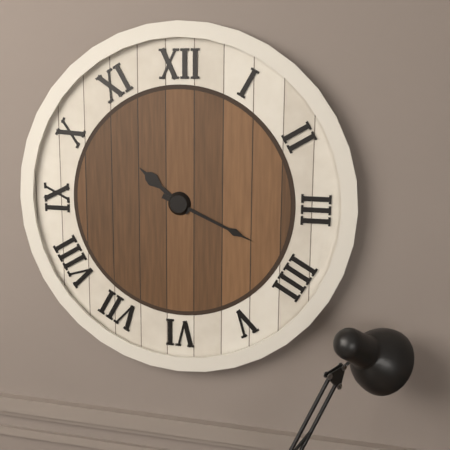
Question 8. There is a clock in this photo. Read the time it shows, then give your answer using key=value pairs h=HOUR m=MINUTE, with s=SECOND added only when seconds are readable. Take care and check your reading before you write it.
h=10 m=19
